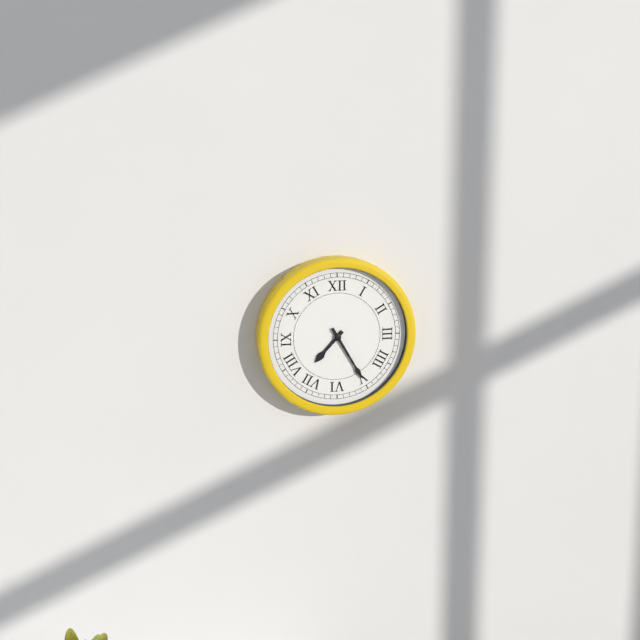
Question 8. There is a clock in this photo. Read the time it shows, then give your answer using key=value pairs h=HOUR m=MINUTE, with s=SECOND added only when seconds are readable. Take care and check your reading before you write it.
h=7 m=25
